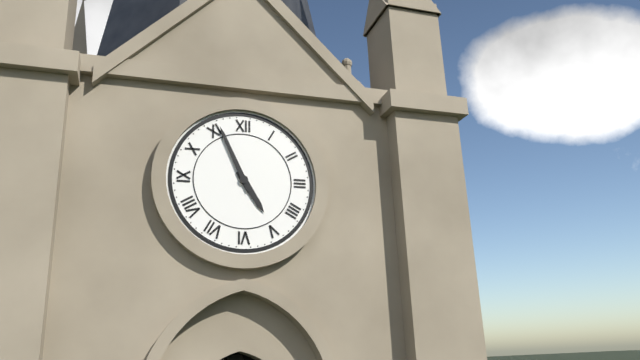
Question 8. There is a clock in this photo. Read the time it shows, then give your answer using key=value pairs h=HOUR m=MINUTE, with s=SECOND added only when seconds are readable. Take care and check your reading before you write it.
h=4 m=56
